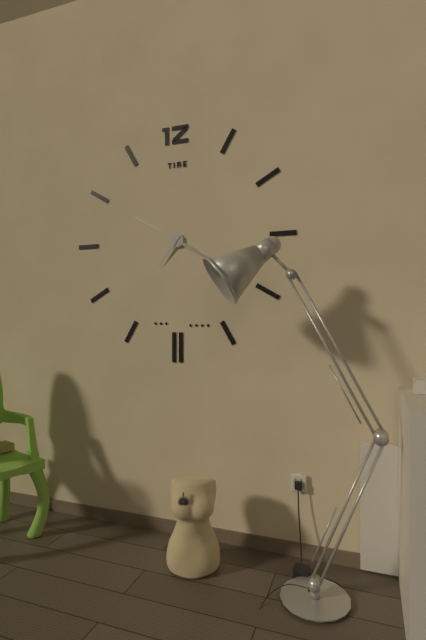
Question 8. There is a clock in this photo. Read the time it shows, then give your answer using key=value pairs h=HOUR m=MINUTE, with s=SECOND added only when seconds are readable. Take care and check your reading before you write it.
h=7 m=20 s=50
